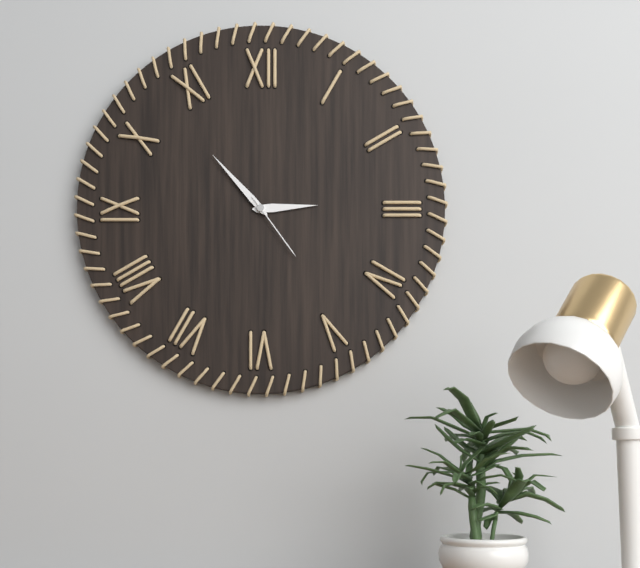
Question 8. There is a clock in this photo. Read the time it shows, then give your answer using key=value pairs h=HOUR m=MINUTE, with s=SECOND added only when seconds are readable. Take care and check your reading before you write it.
h=2 m=53 s=24
